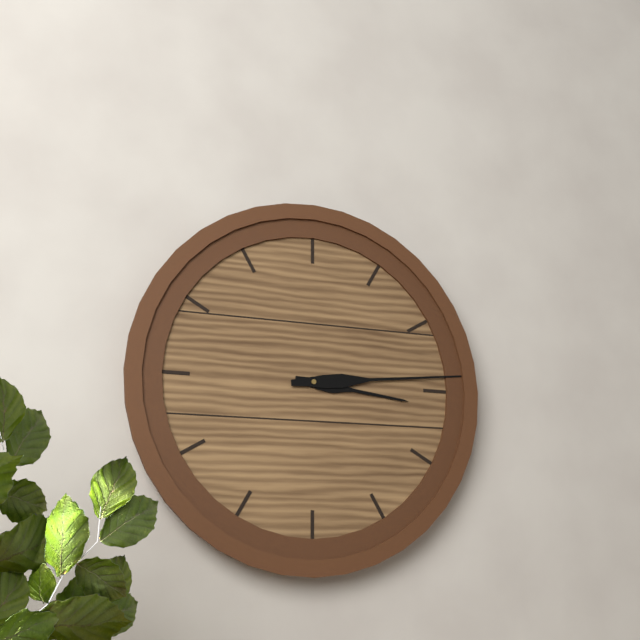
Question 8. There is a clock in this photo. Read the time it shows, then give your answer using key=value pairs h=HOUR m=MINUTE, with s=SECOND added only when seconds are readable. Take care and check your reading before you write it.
h=3 m=14
